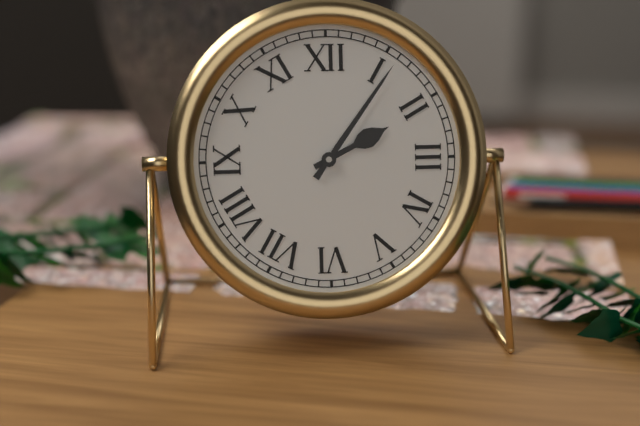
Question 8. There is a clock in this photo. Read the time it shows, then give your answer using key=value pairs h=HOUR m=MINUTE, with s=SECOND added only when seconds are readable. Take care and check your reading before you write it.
h=2 m=6
